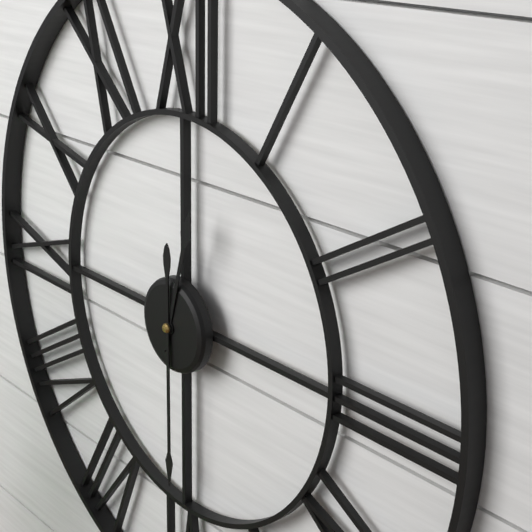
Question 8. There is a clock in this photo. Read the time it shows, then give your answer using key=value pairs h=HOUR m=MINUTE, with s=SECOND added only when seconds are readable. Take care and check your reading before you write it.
h=12 m=30
